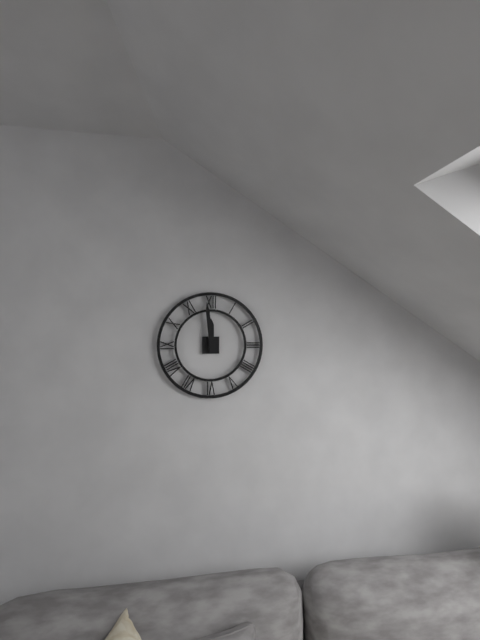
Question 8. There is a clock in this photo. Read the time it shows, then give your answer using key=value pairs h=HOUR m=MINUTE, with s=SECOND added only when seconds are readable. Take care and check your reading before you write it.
h=11 m=59
